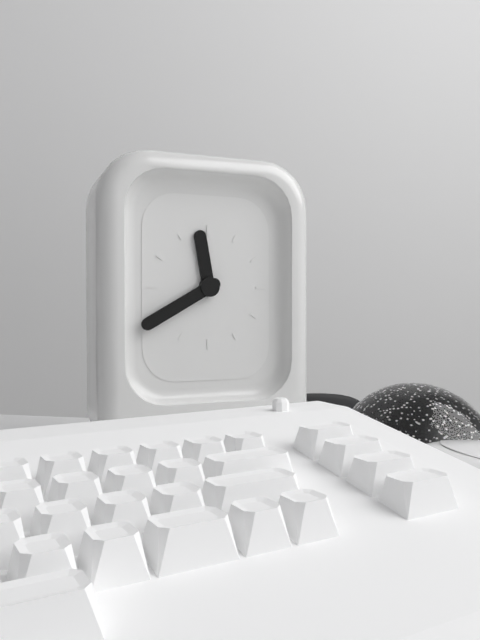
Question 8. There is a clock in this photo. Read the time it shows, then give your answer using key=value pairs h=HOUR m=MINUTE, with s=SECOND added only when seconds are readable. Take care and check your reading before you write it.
h=11 m=40
